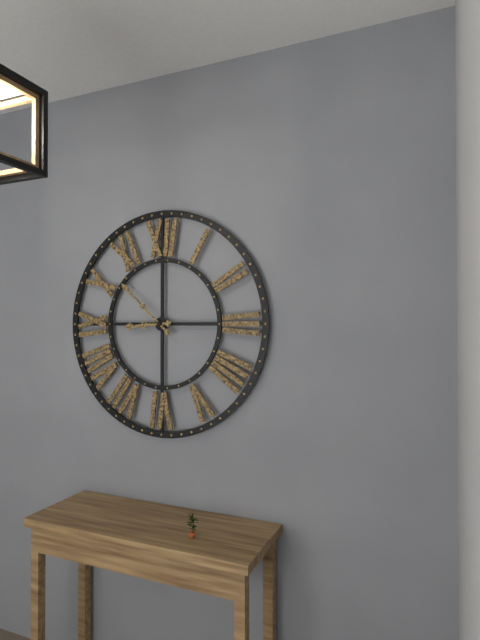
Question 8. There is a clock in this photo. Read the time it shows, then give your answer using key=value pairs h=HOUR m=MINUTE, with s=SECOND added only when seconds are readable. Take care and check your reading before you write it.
h=8 m=52
